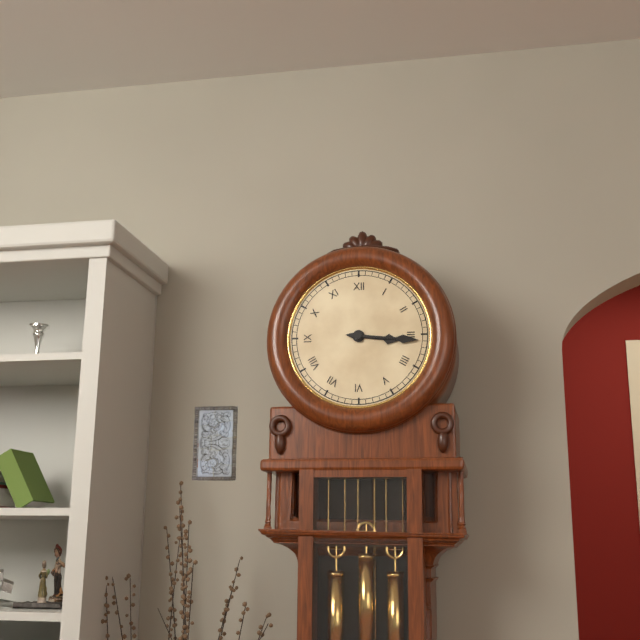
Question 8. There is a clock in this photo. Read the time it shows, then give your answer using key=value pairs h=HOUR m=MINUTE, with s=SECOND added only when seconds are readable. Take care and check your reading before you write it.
h=3 m=16
